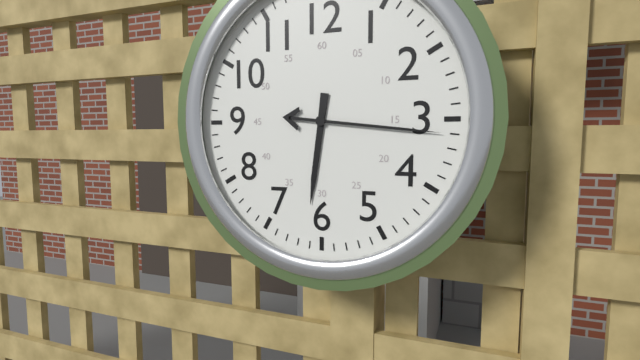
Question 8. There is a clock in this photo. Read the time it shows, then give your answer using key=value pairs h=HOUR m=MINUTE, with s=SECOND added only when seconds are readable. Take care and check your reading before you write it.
h=6 m=16
